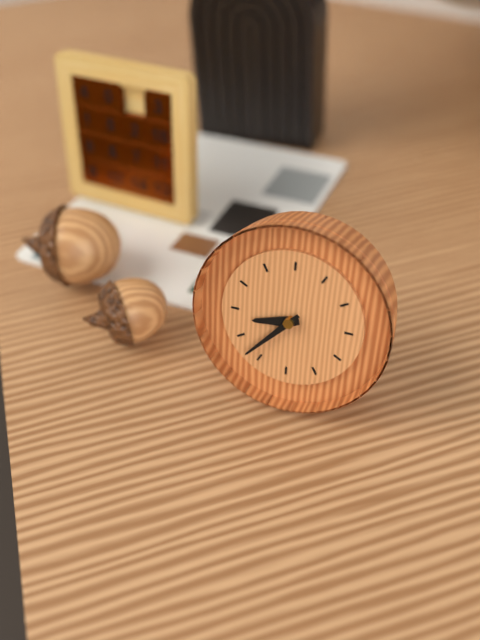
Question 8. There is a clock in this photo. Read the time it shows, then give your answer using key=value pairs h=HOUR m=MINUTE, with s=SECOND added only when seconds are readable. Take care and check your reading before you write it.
h=8 m=37
